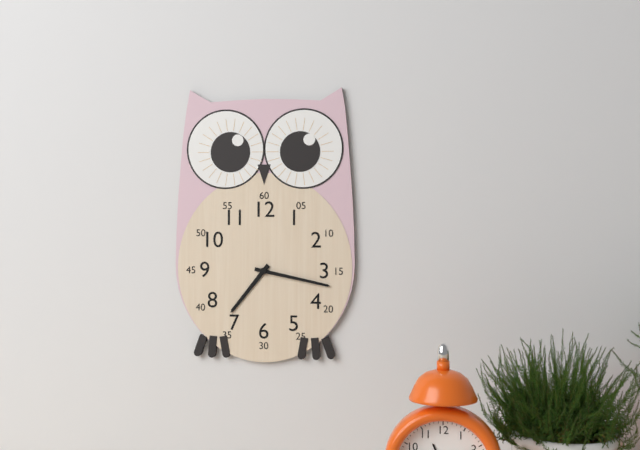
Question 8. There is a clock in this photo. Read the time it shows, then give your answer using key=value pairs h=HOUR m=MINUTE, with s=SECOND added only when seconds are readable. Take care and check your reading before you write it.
h=7 m=17
